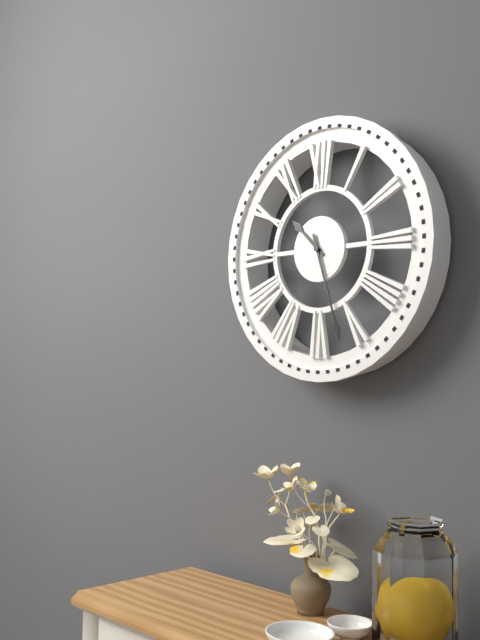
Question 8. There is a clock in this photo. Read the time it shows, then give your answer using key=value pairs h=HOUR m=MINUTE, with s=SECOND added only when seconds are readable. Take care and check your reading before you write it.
h=10 m=27
